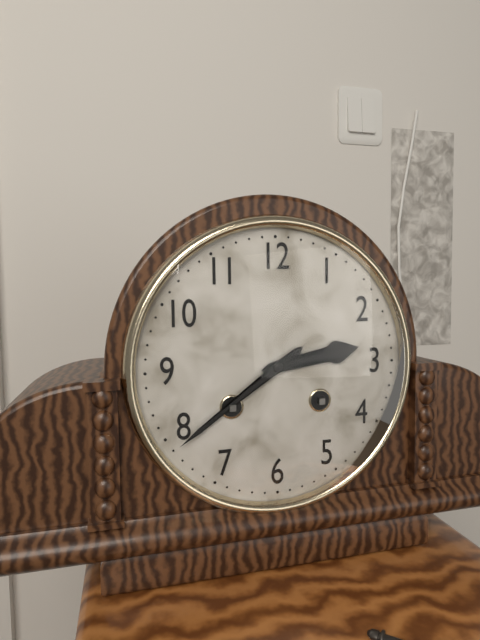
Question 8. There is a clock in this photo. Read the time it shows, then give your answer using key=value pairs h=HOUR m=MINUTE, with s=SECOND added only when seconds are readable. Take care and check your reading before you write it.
h=2 m=39
